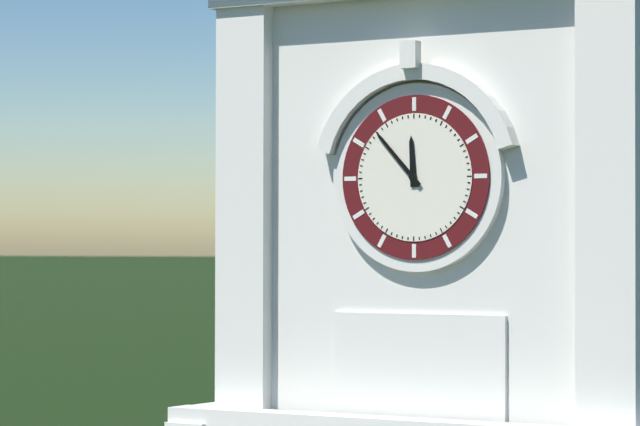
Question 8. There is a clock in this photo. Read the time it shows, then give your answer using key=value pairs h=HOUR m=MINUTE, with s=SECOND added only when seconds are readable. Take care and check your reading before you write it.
h=11 m=53
